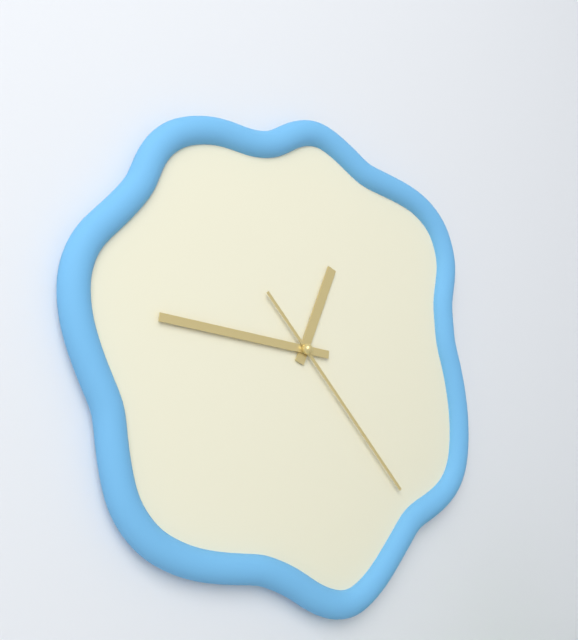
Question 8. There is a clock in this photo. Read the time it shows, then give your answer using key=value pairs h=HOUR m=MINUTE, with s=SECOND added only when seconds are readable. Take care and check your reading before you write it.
h=12 m=46 s=23
